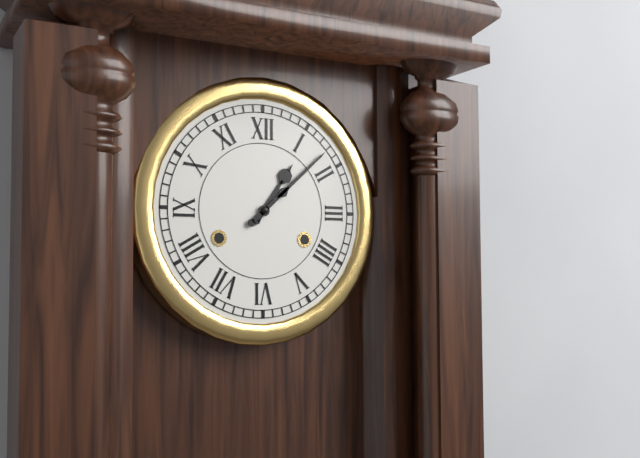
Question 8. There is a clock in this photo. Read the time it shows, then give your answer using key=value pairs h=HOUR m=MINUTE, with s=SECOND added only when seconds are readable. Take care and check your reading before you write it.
h=1 m=8
